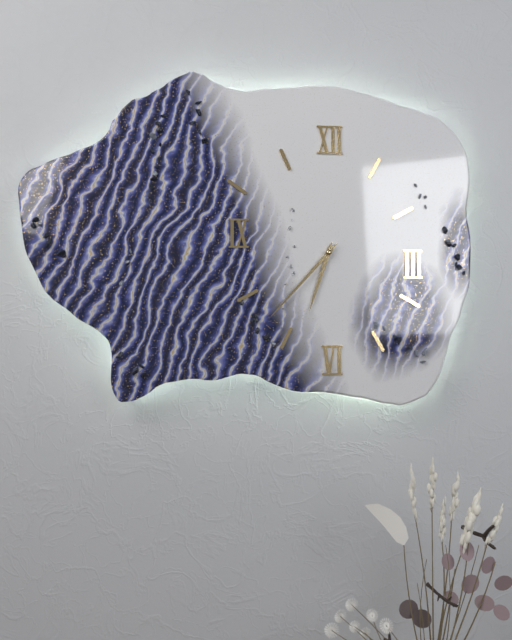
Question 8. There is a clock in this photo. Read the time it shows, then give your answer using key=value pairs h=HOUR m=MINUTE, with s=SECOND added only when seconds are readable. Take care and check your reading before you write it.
h=6 m=37
